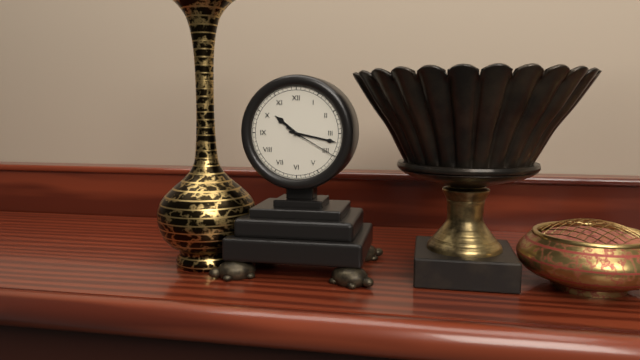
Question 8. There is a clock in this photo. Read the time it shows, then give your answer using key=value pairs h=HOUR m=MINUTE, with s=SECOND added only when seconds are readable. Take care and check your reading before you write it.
h=10 m=17 s=20
